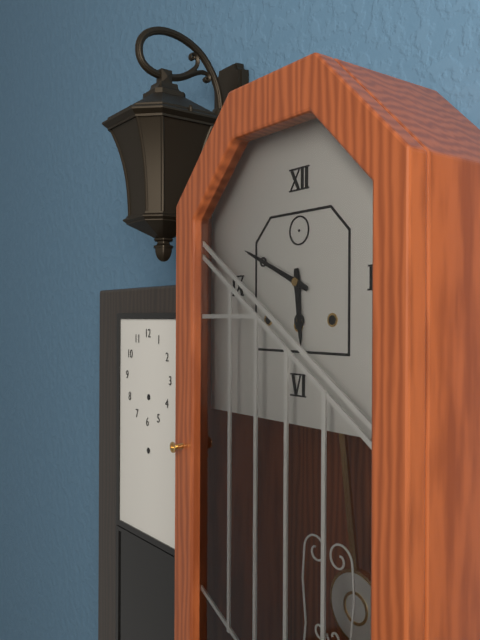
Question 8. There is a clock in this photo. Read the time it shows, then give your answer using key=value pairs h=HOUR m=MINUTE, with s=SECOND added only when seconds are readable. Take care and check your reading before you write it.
h=5 m=49
